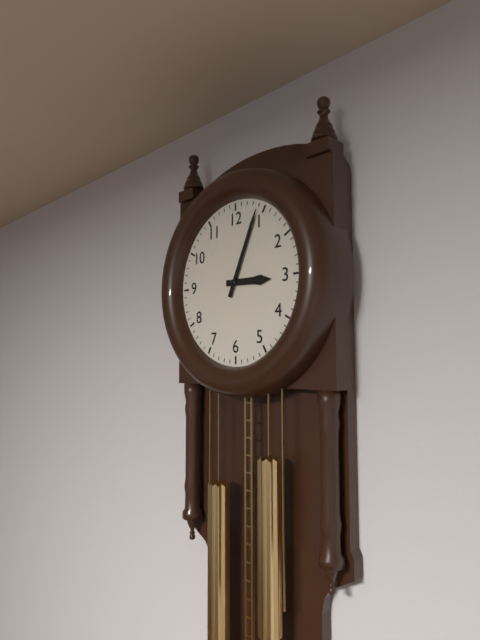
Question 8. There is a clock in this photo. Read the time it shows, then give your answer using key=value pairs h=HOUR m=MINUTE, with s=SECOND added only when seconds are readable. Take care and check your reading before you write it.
h=3 m=4
